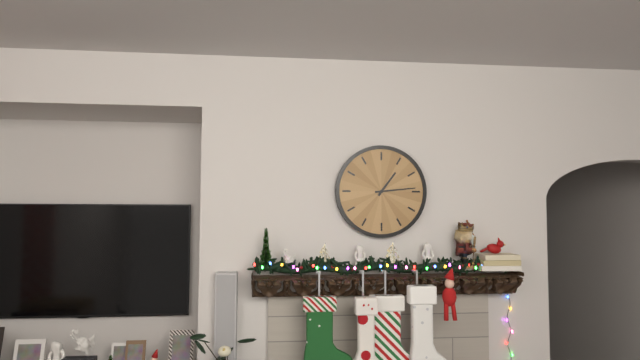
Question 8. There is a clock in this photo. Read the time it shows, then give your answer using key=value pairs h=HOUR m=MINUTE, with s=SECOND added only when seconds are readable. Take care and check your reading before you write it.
h=1 m=14
